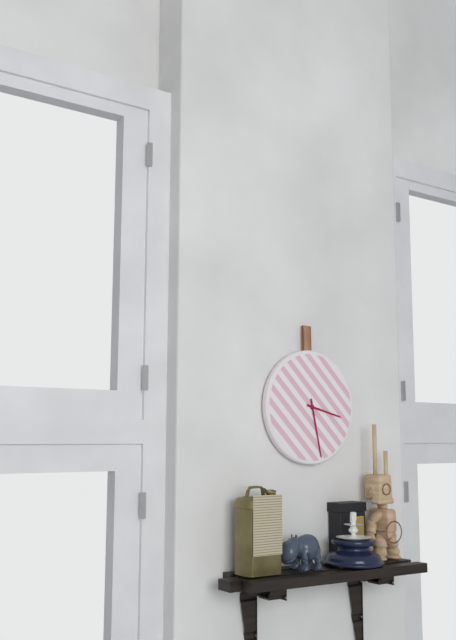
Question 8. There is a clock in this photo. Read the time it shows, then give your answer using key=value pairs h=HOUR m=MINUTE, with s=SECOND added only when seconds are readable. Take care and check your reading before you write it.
h=3 m=28
